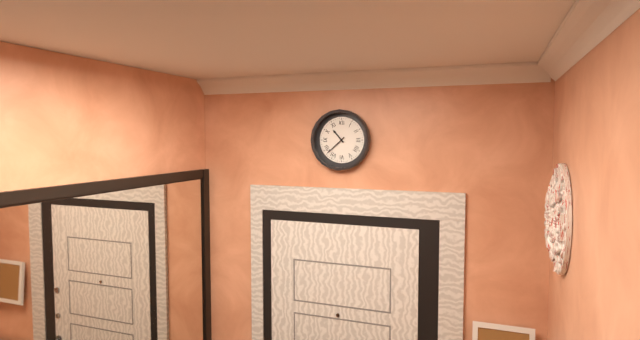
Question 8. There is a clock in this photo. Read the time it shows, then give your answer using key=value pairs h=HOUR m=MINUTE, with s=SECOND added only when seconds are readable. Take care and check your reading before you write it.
h=10 m=38
